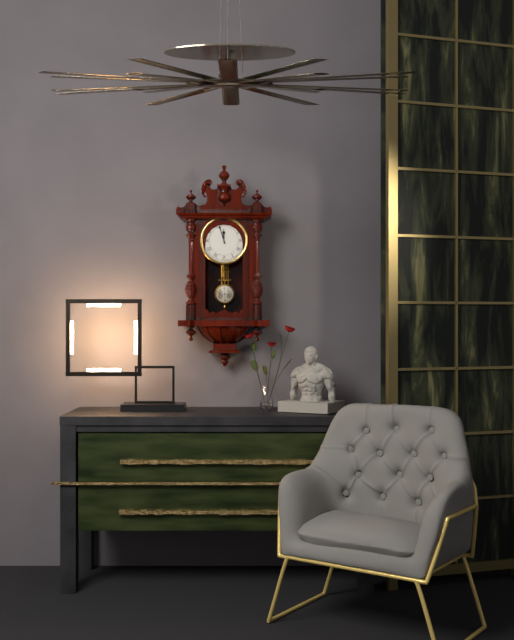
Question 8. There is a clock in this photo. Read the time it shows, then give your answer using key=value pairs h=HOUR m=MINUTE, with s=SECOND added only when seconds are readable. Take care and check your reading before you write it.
h=11 m=57
